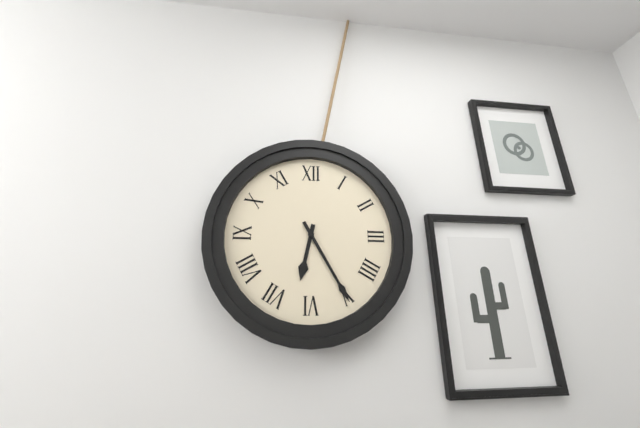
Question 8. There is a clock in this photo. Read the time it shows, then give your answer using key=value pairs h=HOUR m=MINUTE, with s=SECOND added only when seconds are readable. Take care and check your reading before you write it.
h=6 m=25
